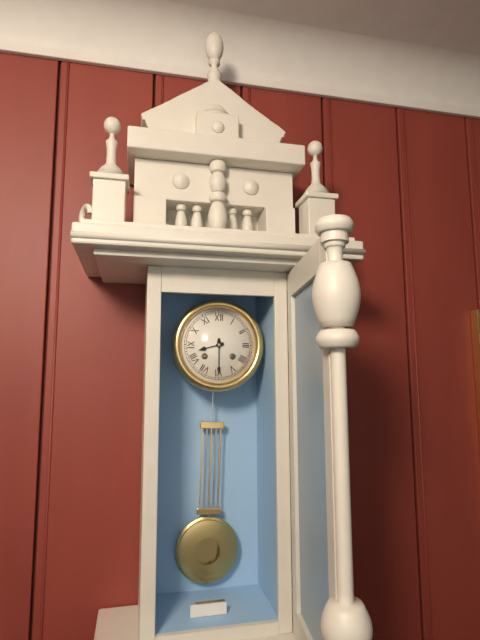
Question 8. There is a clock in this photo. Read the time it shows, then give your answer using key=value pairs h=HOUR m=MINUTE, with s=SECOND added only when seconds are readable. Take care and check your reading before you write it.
h=8 m=30
